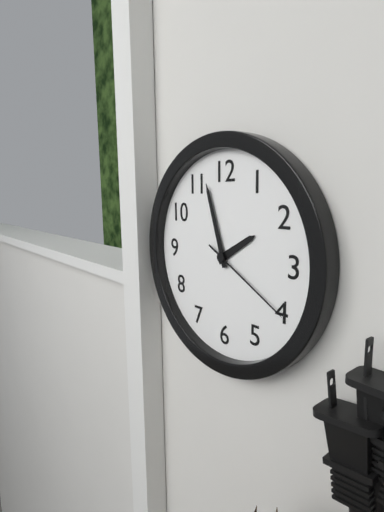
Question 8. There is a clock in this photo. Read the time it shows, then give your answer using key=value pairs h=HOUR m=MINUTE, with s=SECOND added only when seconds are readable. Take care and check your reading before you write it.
h=1 m=57 s=20
